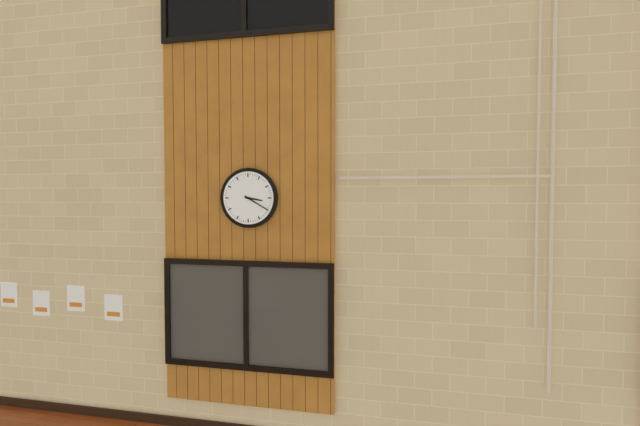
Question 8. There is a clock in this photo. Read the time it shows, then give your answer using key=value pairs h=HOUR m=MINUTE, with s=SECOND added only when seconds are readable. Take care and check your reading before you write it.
h=3 m=20
